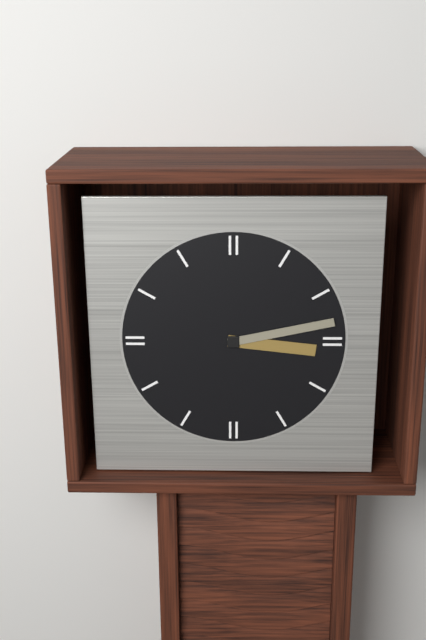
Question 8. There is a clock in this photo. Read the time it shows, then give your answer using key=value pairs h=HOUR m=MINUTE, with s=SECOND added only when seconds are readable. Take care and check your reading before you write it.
h=3 m=13
